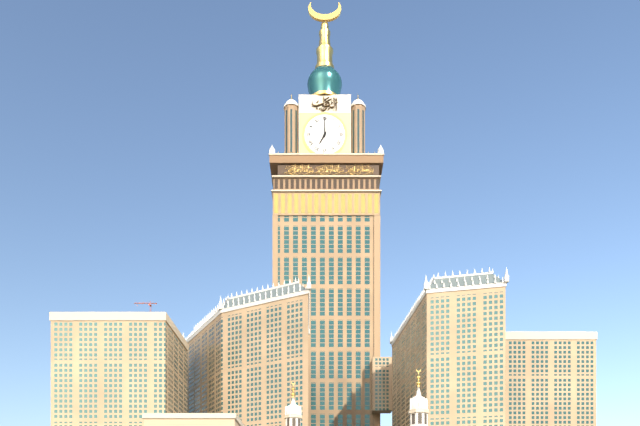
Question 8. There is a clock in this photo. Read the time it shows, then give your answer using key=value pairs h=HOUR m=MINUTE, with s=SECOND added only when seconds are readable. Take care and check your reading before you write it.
h=7 m=0
